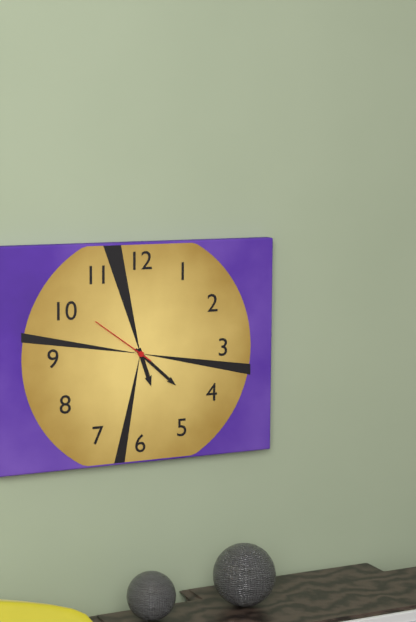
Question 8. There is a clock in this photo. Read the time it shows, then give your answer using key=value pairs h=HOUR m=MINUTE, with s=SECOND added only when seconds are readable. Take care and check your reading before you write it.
h=5 m=22 s=51
